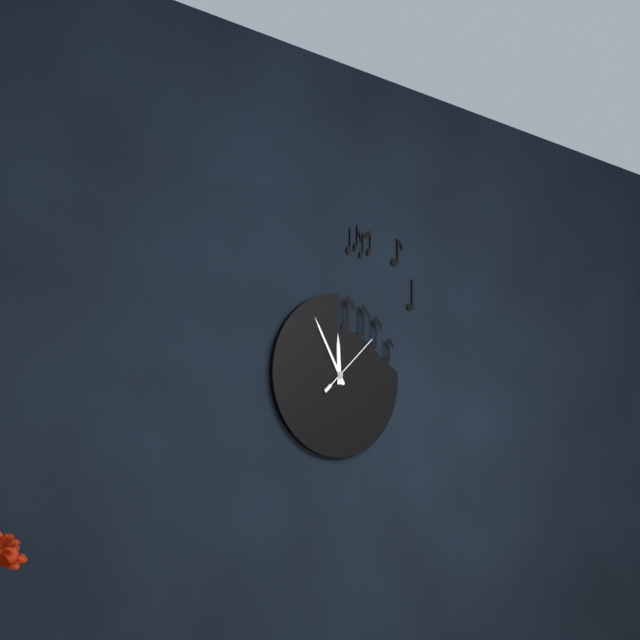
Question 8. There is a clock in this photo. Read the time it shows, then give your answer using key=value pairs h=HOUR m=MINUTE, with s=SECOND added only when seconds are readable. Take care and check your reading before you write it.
h=11 m=55 s=8
